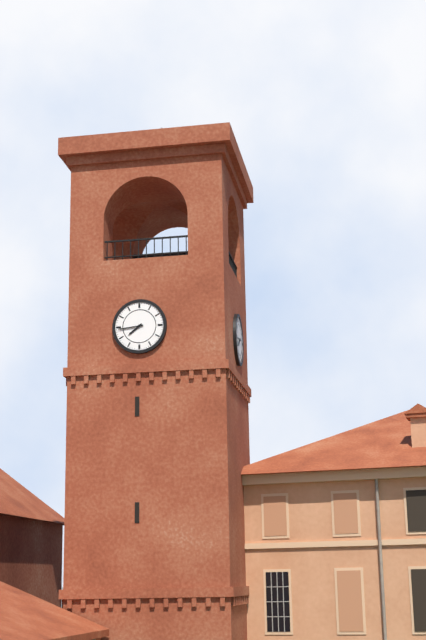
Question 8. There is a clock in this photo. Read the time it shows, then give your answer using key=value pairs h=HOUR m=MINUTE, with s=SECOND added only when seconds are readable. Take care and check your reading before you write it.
h=7 m=44
